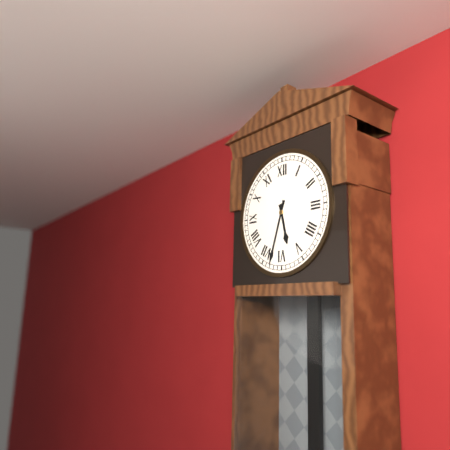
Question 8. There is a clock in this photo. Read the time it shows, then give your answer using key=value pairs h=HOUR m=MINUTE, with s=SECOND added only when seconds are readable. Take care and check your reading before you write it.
h=5 m=33
